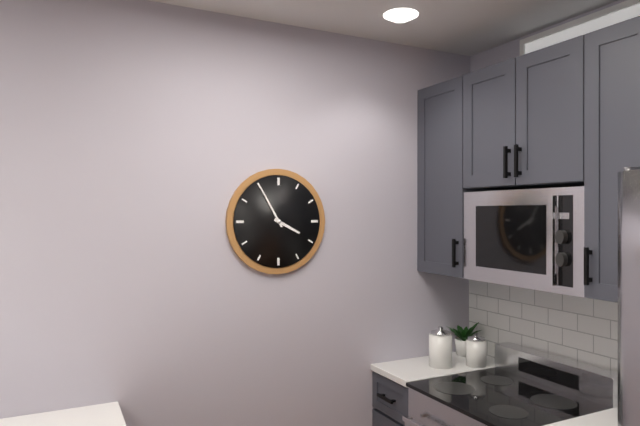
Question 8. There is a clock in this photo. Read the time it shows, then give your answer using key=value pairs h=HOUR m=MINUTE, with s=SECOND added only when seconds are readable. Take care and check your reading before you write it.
h=3 m=55
